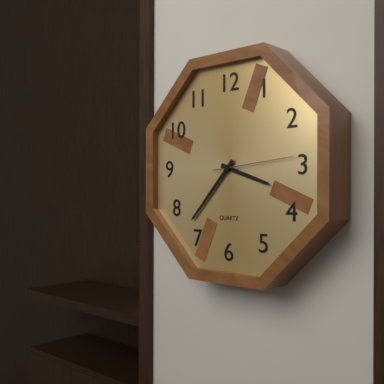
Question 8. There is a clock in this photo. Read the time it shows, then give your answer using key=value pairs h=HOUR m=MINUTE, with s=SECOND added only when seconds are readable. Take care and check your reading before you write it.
h=3 m=37 s=14
